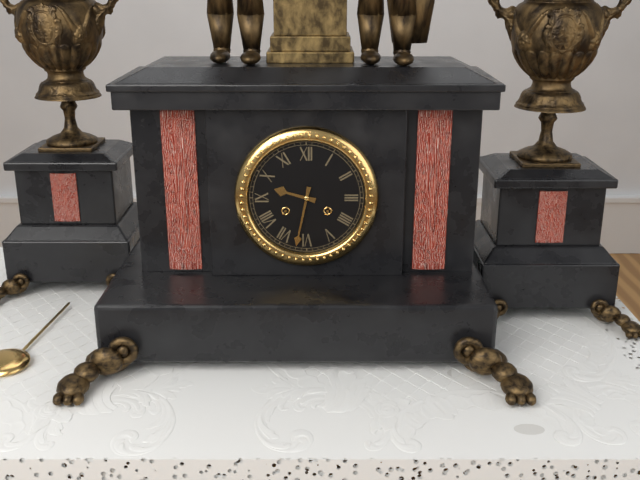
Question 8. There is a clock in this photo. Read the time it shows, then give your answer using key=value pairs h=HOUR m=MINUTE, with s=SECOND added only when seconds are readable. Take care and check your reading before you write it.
h=9 m=32
